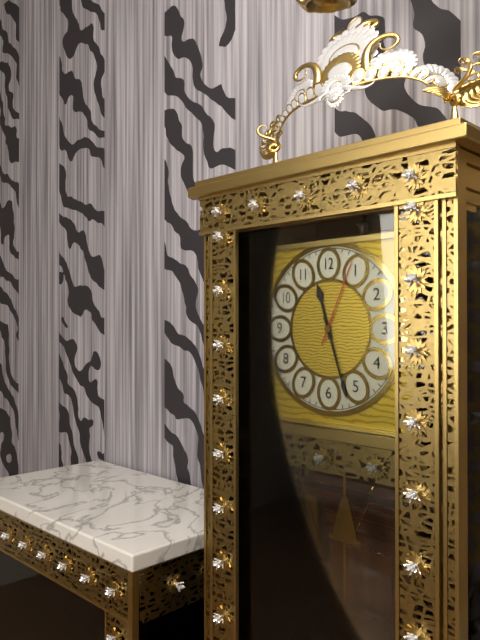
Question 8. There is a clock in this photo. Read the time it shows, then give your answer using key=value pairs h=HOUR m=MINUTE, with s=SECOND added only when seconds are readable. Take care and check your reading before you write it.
h=11 m=27 s=4
